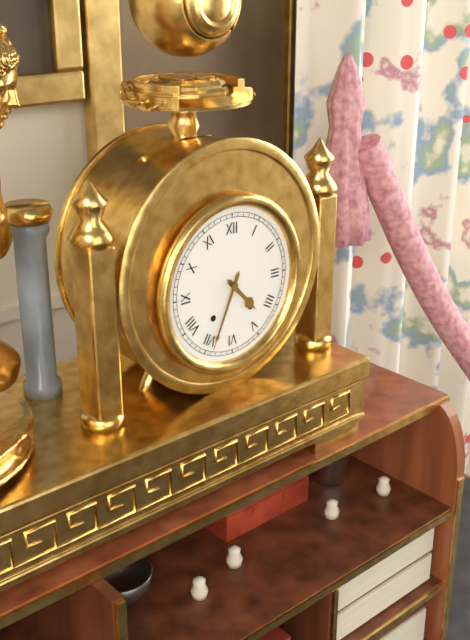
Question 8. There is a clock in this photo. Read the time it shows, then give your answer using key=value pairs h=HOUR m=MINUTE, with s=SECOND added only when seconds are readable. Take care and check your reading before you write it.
h=4 m=34
